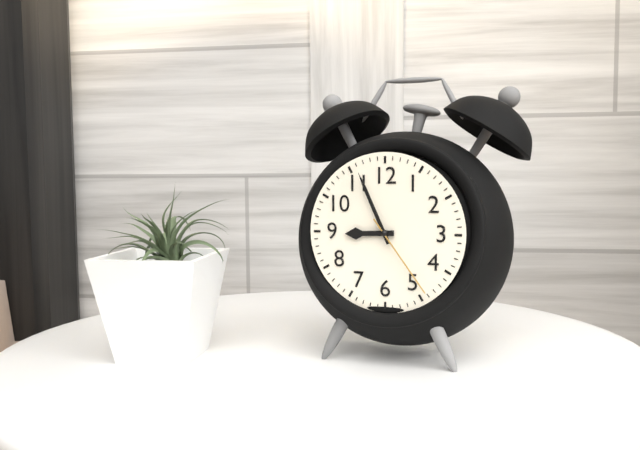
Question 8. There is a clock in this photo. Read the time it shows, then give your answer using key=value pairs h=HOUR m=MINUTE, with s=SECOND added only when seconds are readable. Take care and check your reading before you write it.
h=8 m=56 s=24
